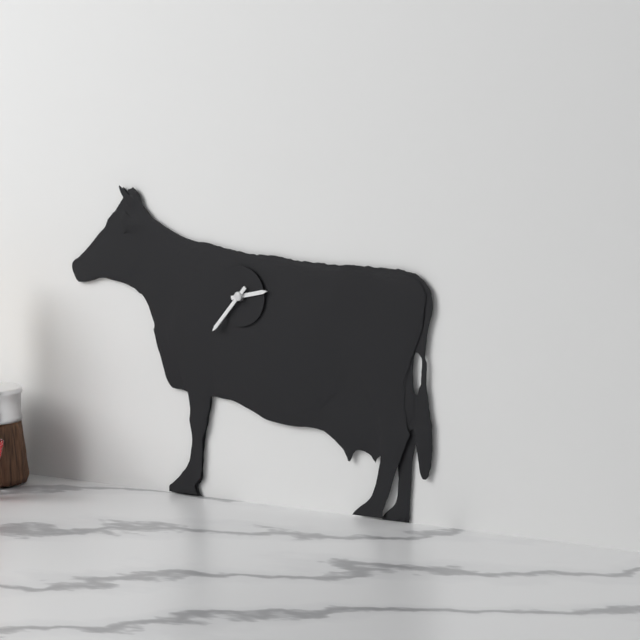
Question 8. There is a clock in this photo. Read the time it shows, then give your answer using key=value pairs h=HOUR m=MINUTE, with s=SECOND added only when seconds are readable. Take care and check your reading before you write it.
h=2 m=37
